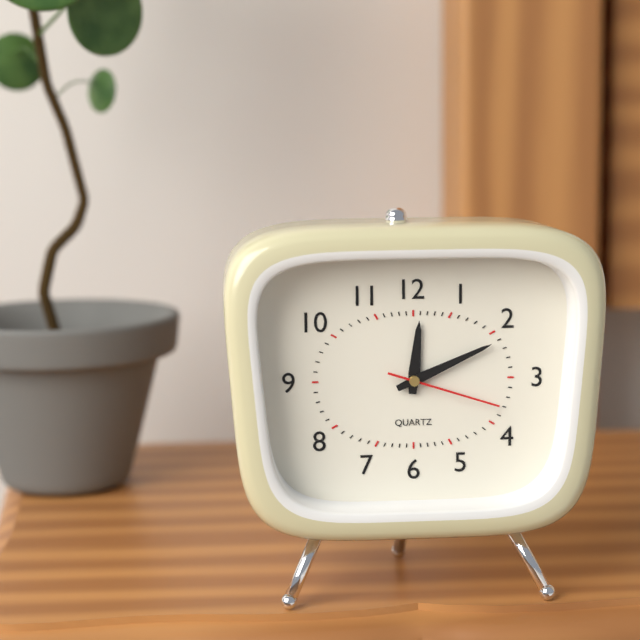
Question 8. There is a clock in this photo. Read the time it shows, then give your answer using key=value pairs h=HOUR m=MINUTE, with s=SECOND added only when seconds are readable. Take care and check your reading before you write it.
h=12 m=11 s=18
